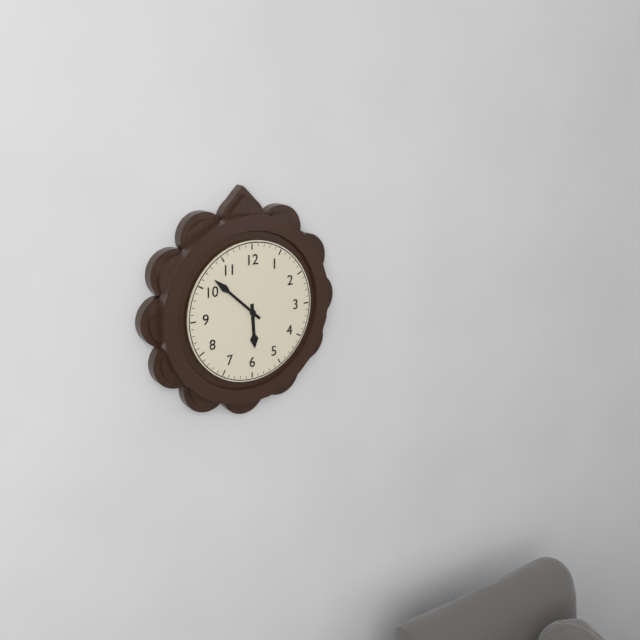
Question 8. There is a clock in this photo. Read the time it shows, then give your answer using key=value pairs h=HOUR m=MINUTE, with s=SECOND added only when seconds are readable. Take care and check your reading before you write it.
h=5 m=52
